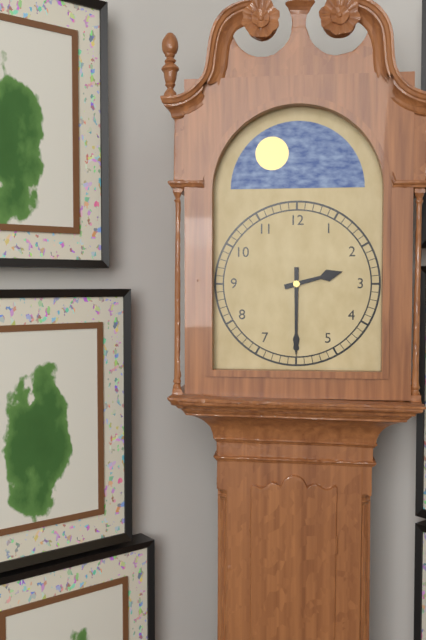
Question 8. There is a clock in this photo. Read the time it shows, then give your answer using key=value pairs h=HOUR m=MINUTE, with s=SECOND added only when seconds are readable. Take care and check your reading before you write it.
h=2 m=30
